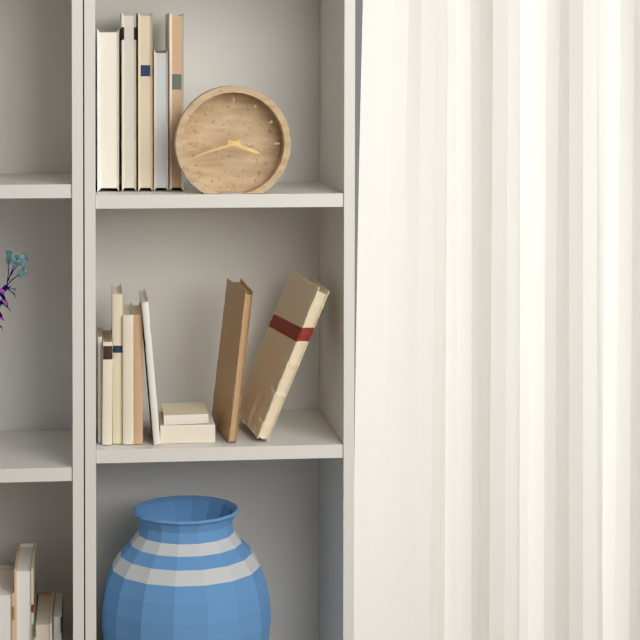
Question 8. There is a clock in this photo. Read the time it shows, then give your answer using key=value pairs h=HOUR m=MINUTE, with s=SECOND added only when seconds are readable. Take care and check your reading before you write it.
h=3 m=42
